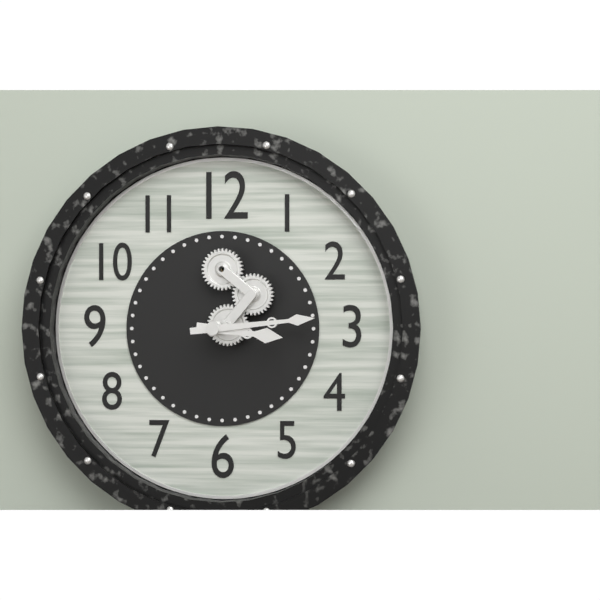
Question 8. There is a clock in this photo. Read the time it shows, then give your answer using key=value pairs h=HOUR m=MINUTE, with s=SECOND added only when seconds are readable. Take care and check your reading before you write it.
h=3 m=14
